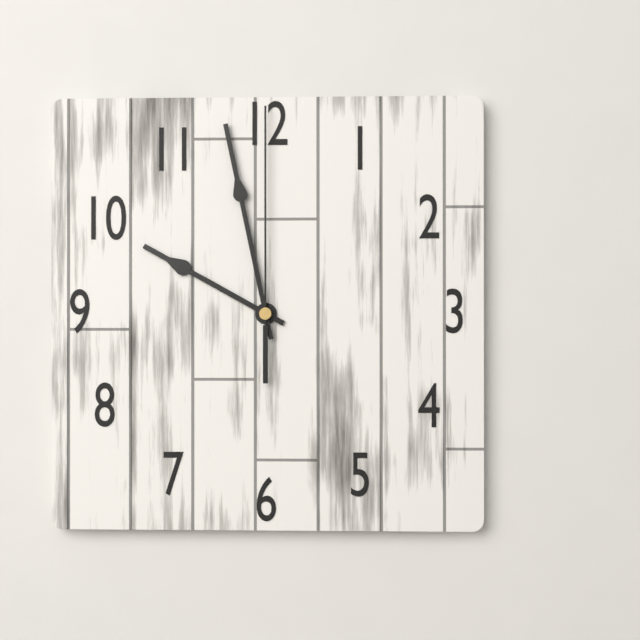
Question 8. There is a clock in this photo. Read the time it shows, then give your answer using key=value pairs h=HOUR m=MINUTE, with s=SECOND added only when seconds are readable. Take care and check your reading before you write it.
h=9 m=58 s=0
